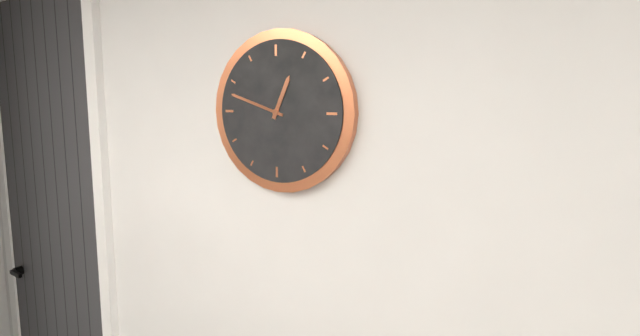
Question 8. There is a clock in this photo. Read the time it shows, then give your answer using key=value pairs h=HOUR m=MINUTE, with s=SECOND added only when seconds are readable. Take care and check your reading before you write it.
h=12 m=48
